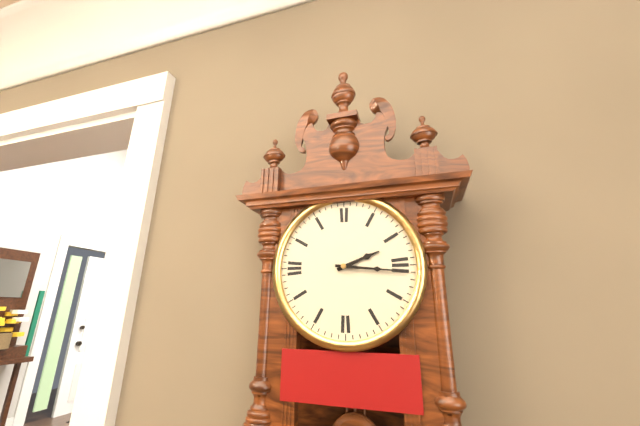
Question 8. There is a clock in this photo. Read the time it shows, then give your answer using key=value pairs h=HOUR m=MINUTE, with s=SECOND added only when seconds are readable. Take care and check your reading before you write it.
h=2 m=16
